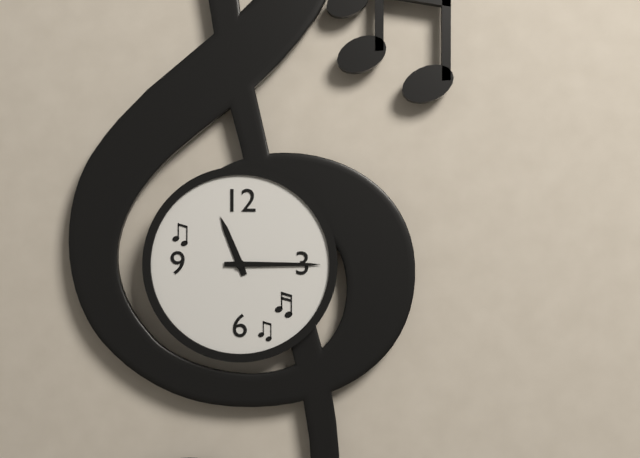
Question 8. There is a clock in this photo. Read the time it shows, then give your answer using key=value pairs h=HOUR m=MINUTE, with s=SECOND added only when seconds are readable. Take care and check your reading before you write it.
h=11 m=15
